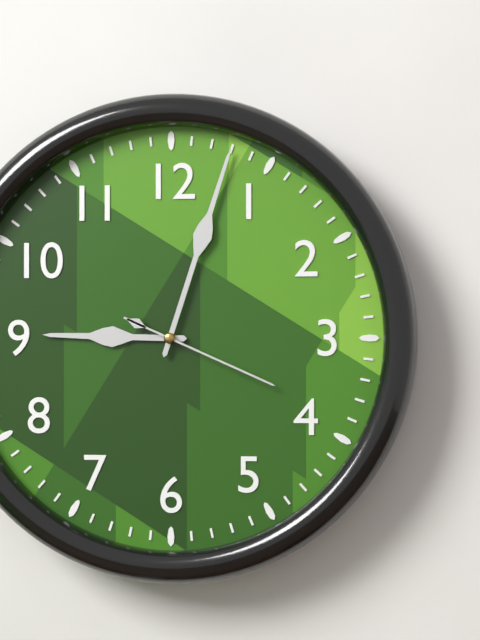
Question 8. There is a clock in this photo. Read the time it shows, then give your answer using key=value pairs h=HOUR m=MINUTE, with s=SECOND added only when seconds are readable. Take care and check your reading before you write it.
h=9 m=3 s=19
